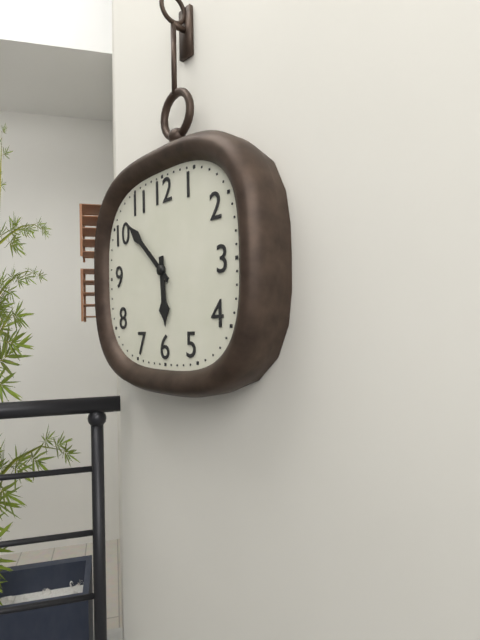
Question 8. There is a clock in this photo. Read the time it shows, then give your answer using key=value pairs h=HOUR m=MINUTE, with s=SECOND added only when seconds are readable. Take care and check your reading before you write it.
h=5 m=52
